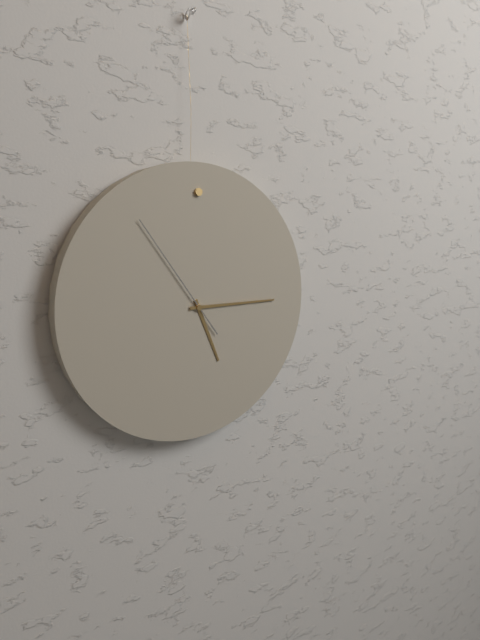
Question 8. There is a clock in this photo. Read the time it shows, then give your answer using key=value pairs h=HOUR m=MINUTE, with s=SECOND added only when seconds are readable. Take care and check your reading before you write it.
h=5 m=15 s=54
